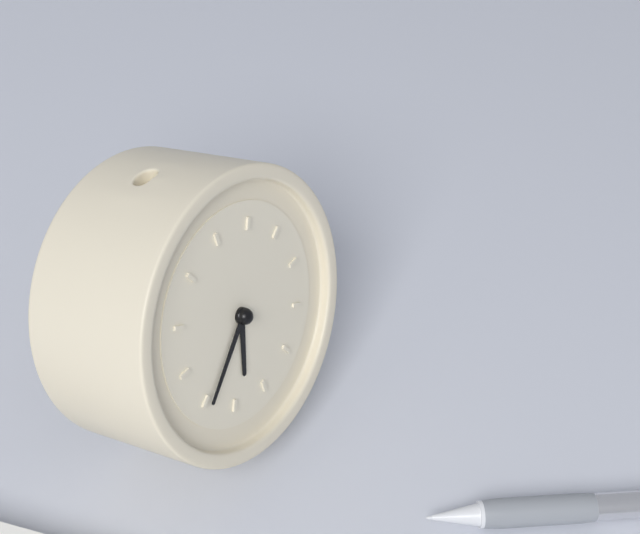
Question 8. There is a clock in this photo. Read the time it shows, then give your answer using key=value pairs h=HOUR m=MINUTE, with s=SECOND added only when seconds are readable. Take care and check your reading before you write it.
h=6 m=39
